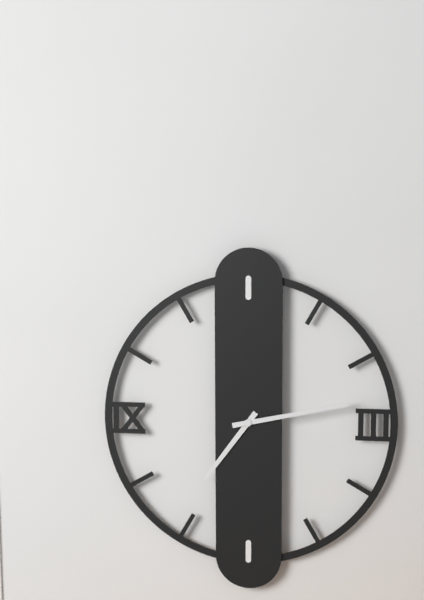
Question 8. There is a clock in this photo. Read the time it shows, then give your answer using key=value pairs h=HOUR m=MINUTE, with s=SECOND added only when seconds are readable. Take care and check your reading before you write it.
h=7 m=13
